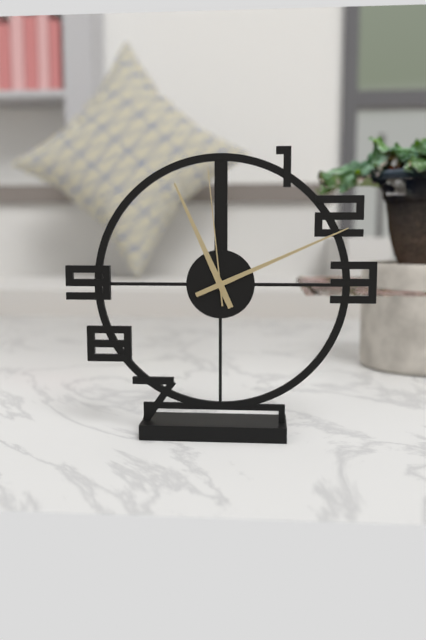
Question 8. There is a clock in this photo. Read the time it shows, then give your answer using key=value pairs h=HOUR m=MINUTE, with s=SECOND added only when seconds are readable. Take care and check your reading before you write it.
h=11 m=11 s=59
